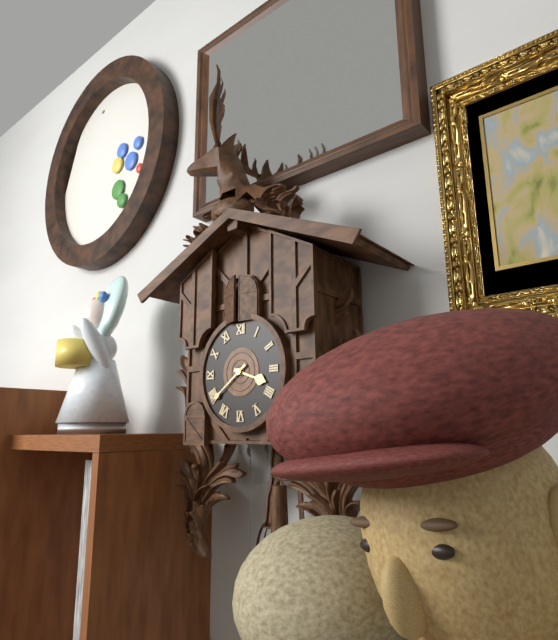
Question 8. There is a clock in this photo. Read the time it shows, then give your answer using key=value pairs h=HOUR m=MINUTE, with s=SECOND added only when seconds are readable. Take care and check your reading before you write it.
h=3 m=39
